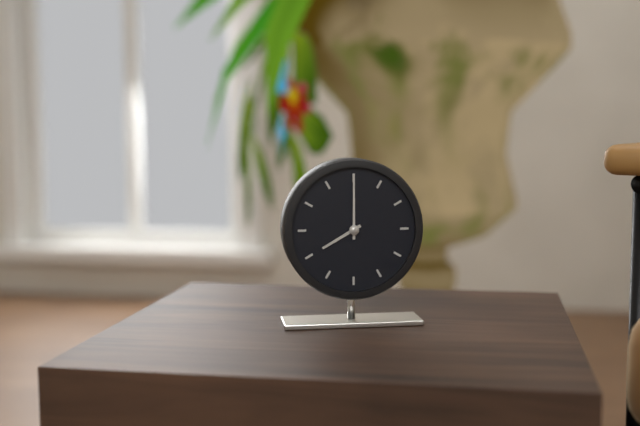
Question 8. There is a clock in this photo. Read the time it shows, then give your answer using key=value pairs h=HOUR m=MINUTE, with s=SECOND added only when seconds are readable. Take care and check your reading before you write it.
h=8 m=0
